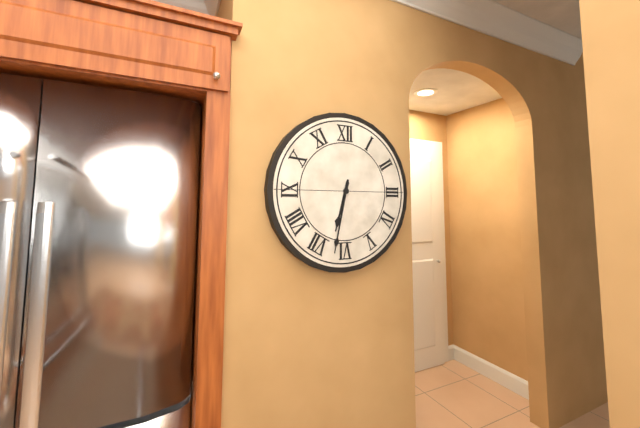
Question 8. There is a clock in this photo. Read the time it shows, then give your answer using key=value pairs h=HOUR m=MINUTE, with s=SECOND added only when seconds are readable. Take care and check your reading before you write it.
h=6 m=32
